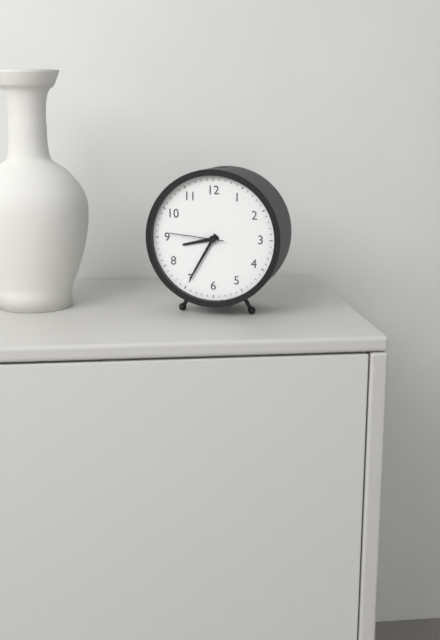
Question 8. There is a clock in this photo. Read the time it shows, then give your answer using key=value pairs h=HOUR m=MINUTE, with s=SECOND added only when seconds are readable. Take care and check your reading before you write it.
h=8 m=35 s=46
